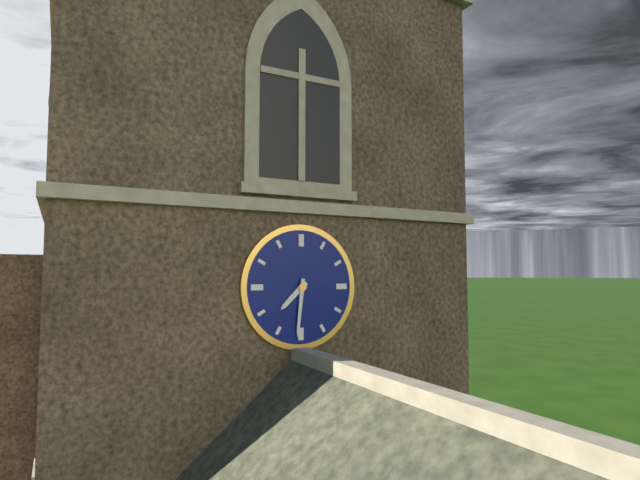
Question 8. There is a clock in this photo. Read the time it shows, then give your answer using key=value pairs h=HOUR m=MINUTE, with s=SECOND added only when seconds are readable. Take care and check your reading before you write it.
h=7 m=31
